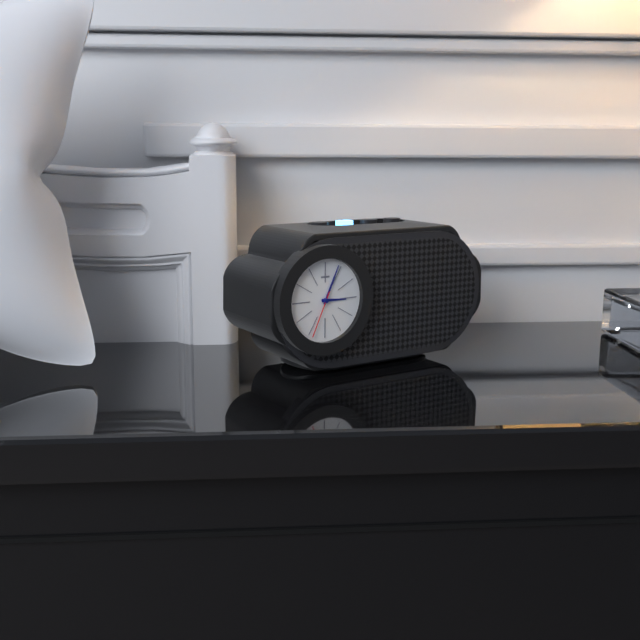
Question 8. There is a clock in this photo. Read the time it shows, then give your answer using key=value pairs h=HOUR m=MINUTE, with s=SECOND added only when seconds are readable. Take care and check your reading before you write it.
h=3 m=4 s=34
